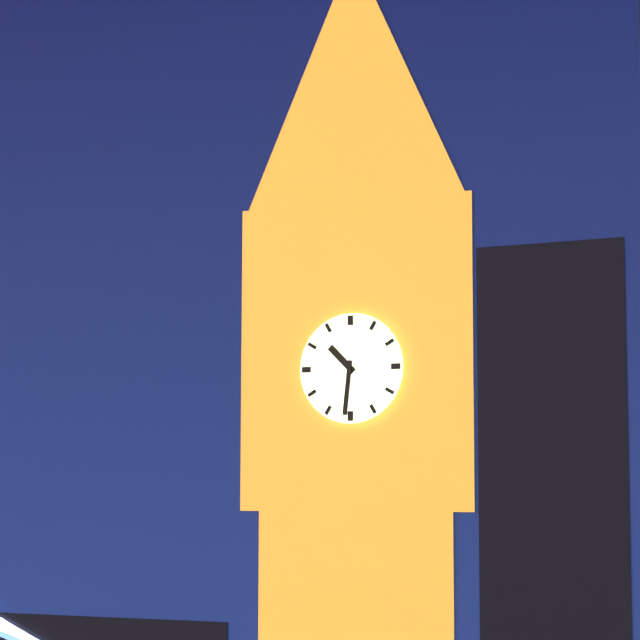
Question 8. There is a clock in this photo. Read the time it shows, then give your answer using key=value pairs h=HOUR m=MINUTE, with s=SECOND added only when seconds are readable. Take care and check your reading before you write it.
h=10 m=31
